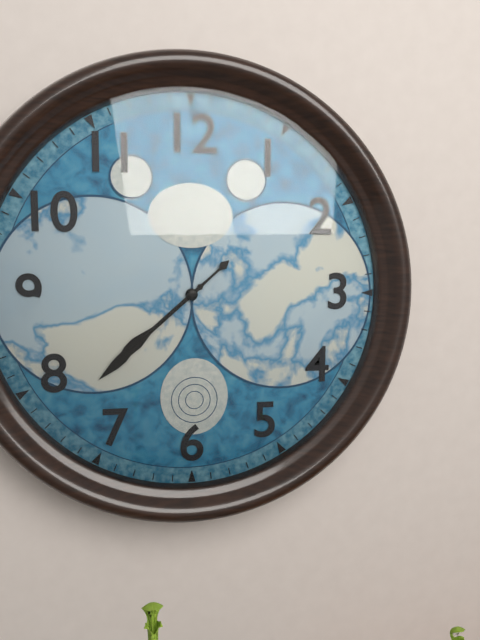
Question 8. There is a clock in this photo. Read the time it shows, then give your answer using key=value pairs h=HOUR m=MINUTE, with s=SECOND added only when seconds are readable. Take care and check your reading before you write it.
h=7 m=38
